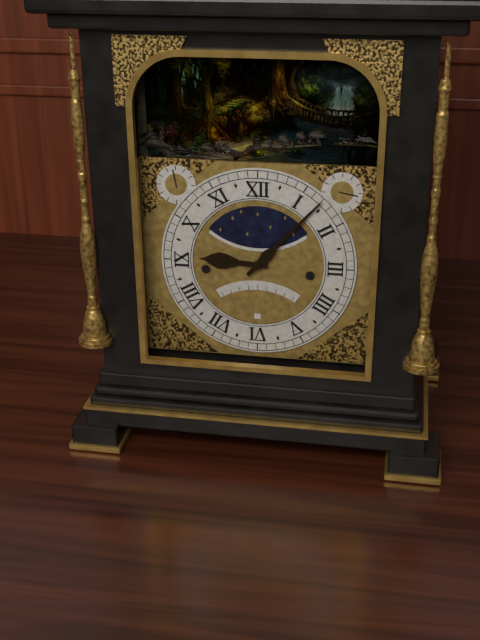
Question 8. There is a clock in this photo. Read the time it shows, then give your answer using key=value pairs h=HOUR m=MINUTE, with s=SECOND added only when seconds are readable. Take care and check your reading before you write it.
h=9 m=7
